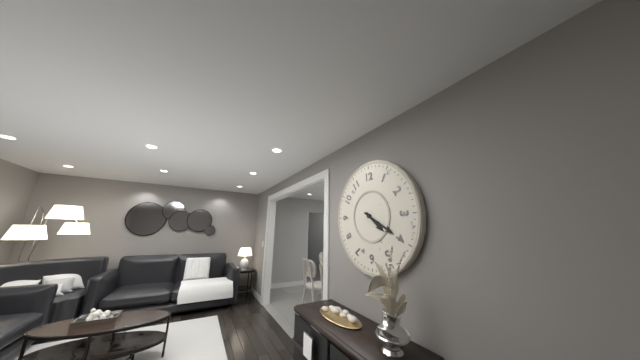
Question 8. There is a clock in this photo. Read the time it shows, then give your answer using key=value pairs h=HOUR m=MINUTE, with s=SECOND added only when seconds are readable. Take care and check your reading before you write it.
h=4 m=20
